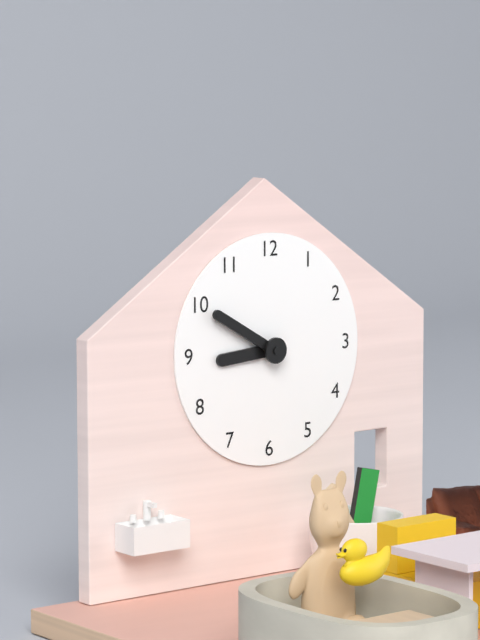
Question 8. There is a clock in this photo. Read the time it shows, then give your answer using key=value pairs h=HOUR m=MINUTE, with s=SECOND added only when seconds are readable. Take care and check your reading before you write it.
h=8 m=50
